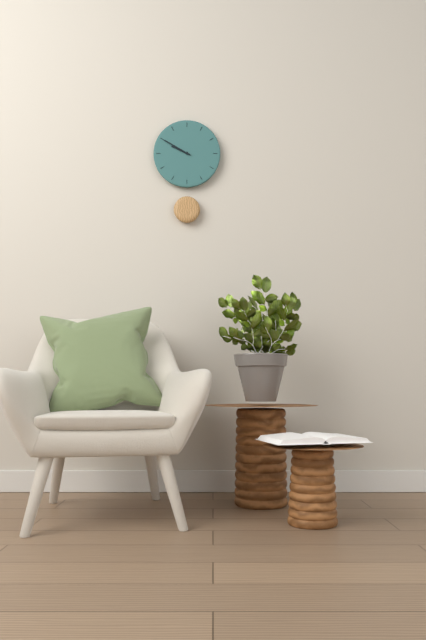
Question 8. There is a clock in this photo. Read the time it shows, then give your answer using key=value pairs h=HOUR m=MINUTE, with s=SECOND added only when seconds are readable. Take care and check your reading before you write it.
h=9 m=50
